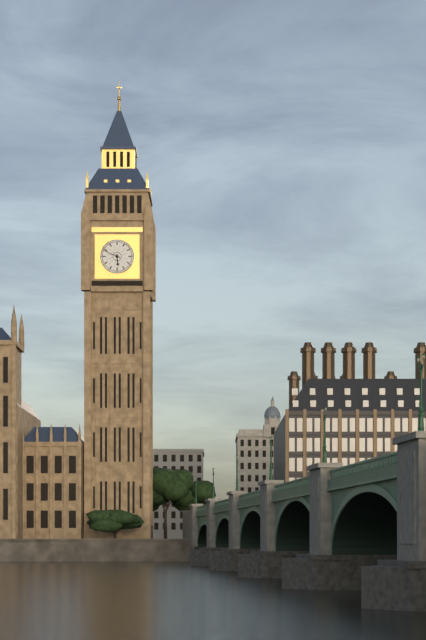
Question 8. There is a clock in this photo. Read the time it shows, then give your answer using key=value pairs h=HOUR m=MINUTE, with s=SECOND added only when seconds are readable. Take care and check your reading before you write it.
h=5 m=49
